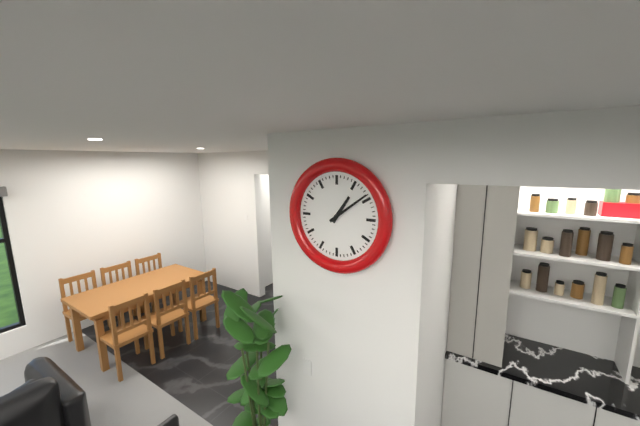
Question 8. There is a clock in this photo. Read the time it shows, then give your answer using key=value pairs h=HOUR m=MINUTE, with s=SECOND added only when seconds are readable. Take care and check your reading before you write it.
h=1 m=9
